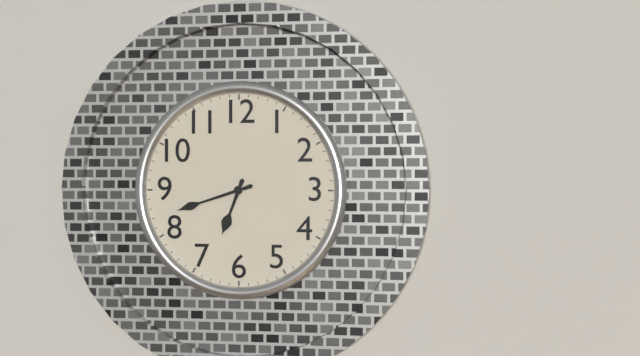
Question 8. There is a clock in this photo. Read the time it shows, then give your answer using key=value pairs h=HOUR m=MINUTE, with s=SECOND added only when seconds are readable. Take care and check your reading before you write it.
h=6 m=42
